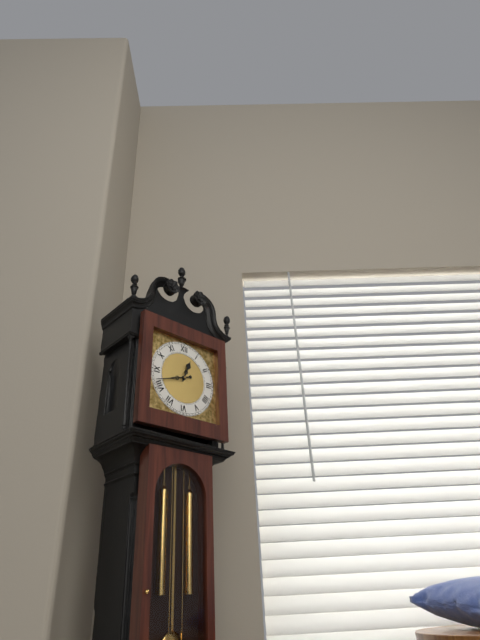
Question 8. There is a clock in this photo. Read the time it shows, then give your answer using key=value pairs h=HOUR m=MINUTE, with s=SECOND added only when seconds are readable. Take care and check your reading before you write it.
h=12 m=42
